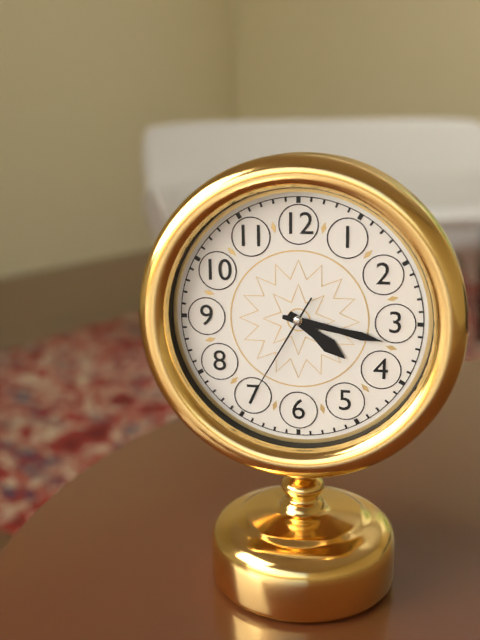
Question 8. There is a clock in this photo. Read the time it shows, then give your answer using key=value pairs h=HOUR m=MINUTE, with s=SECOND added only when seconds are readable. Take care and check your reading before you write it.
h=4 m=17 s=35
